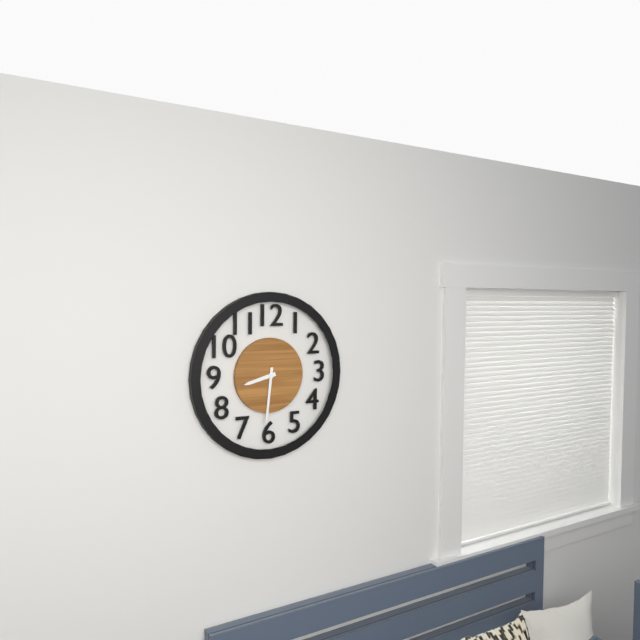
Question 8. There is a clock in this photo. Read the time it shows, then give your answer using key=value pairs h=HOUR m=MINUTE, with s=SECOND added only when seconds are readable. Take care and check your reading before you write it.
h=8 m=31
